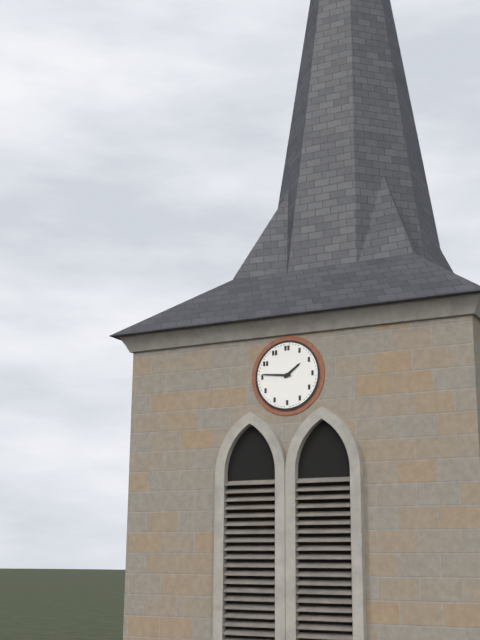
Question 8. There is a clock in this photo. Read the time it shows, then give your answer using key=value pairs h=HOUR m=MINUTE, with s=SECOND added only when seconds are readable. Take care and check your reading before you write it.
h=1 m=46
